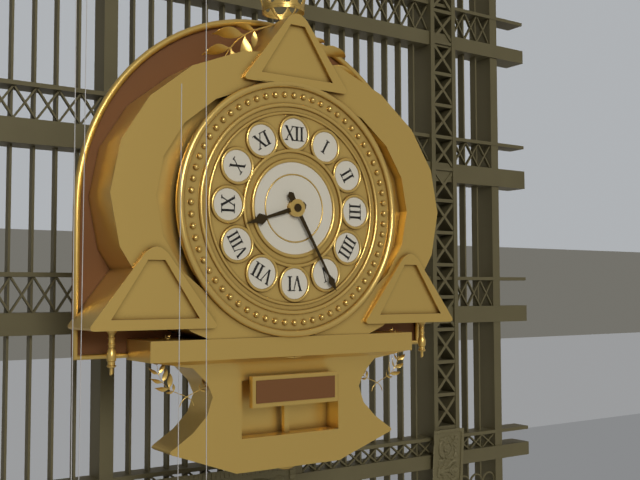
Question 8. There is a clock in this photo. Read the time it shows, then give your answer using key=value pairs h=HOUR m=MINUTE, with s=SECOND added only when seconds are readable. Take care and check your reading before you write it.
h=8 m=25
